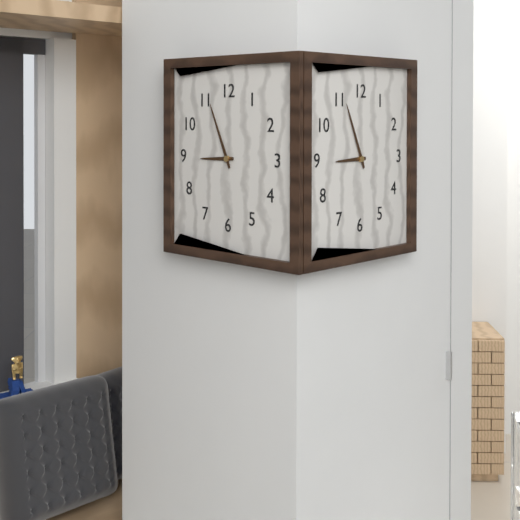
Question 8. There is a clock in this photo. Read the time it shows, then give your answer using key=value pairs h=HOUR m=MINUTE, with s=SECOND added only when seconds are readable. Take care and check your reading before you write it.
h=8 m=56
